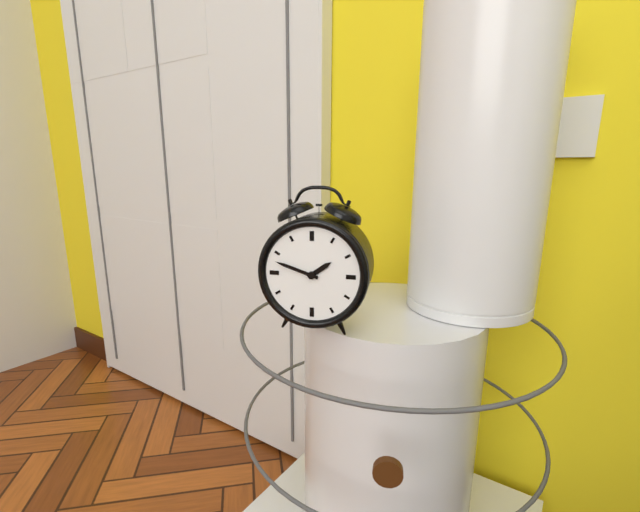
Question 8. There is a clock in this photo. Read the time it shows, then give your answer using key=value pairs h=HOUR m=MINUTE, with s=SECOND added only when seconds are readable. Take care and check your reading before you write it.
h=1 m=48
